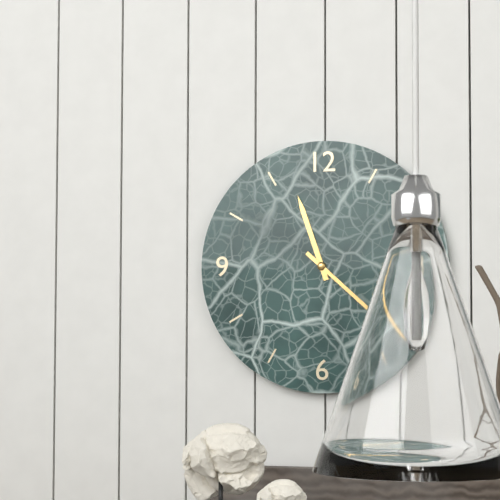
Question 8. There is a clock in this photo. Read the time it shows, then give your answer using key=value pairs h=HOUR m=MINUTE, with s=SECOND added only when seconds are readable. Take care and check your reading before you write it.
h=11 m=22
